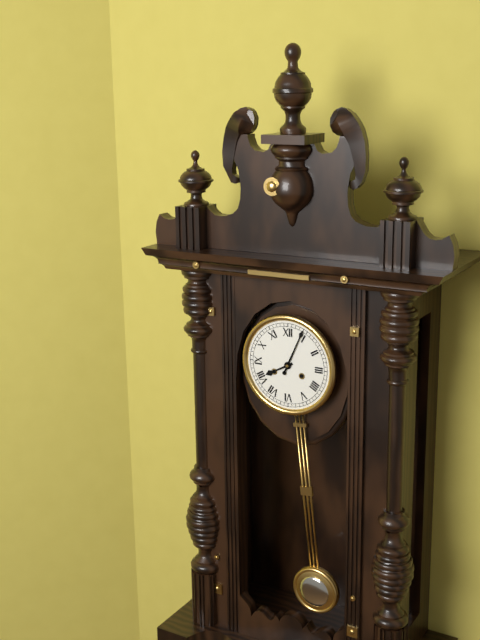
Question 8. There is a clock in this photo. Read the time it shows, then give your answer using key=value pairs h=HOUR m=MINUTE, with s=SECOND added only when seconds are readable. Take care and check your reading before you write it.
h=8 m=4
